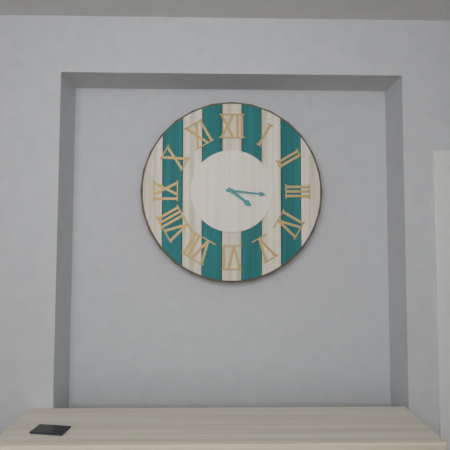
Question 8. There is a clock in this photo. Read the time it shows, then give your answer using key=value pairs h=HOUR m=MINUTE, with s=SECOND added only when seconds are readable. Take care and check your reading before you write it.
h=4 m=16
